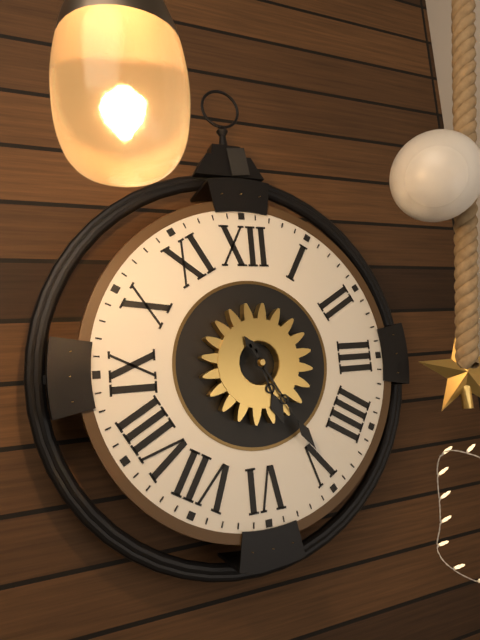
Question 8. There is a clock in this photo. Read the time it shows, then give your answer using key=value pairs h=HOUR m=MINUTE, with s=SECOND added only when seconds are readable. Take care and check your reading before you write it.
h=5 m=25
